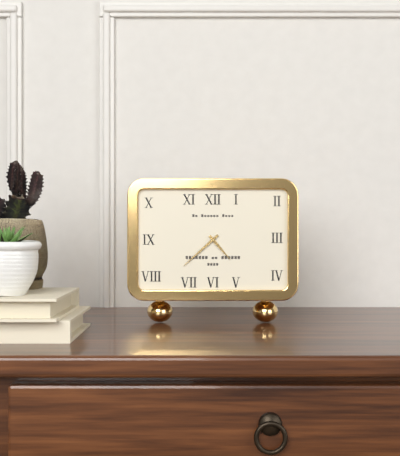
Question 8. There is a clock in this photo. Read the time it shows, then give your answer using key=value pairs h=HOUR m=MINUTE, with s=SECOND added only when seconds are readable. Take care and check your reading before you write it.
h=4 m=38
